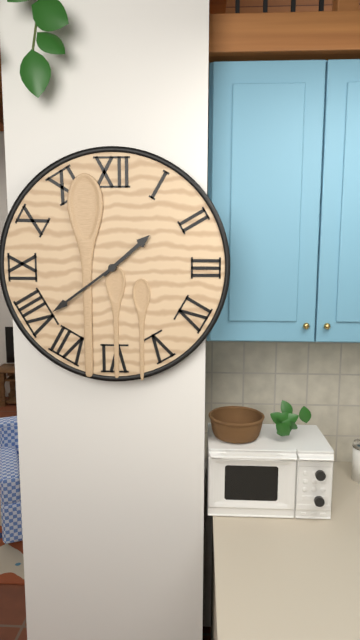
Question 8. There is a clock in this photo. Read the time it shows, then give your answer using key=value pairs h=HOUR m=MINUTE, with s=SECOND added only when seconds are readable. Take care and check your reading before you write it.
h=1 m=39
